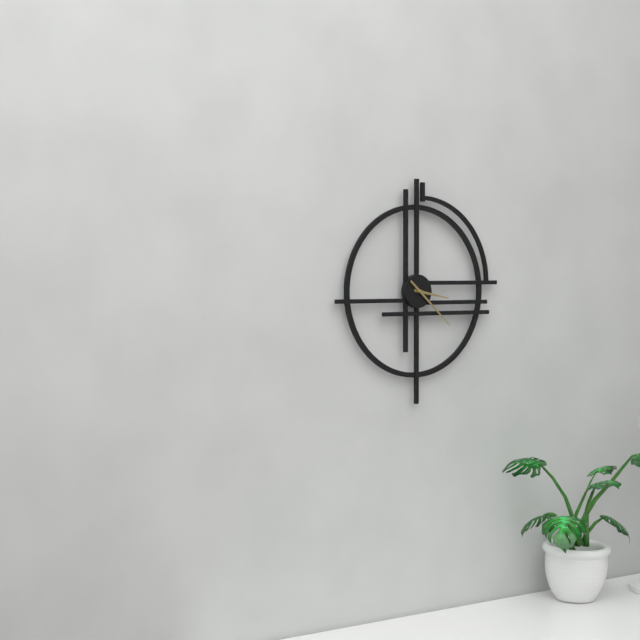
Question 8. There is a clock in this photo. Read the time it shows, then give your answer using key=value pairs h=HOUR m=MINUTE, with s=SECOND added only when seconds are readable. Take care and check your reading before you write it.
h=3 m=22
